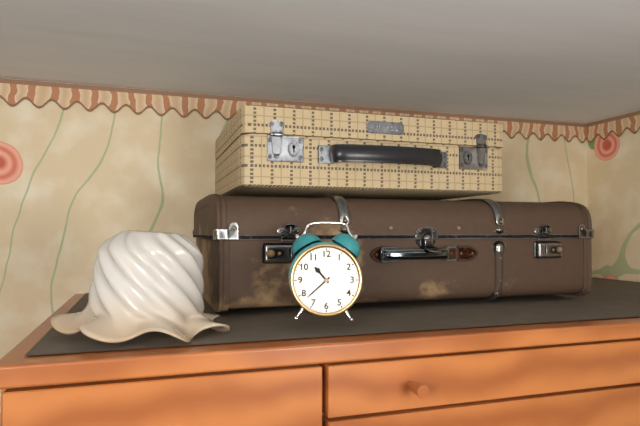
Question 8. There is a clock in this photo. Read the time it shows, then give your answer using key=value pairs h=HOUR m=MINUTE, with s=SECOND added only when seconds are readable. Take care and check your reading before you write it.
h=10 m=38
